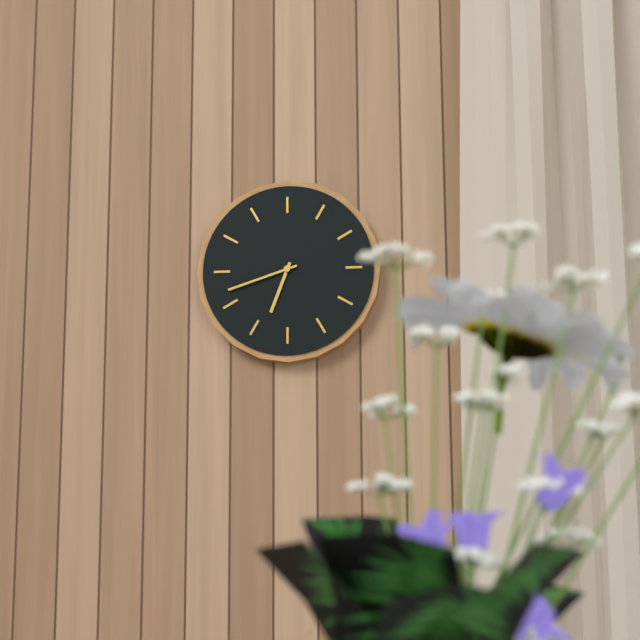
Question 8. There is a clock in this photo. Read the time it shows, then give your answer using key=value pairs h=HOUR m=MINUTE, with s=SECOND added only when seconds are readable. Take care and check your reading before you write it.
h=6 m=42
